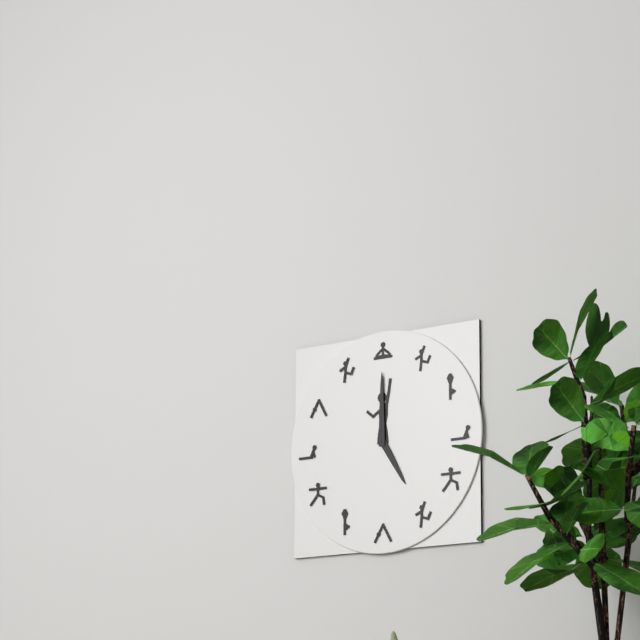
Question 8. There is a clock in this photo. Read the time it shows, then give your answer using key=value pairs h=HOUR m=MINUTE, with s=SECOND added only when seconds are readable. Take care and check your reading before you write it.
h=5 m=0
